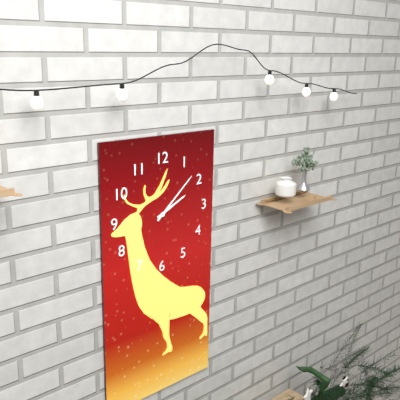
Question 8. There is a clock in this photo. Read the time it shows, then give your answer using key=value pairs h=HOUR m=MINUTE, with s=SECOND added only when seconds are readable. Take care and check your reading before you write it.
h=2 m=8
